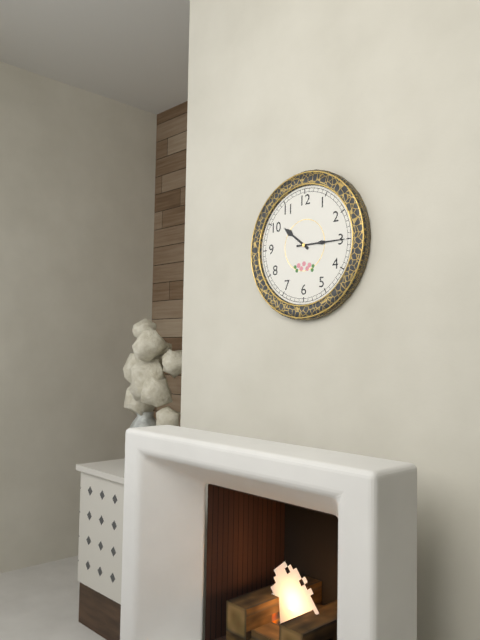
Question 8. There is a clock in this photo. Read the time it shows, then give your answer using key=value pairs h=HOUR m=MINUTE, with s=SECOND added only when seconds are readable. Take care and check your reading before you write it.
h=10 m=15
